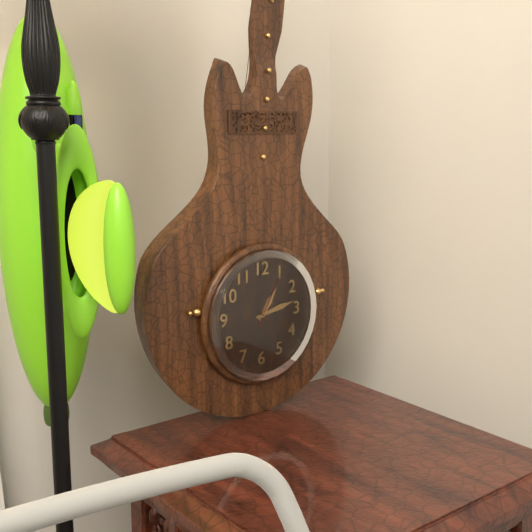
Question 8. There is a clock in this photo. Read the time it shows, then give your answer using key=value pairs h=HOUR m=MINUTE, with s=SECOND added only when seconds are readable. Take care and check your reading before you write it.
h=1 m=13 s=5
